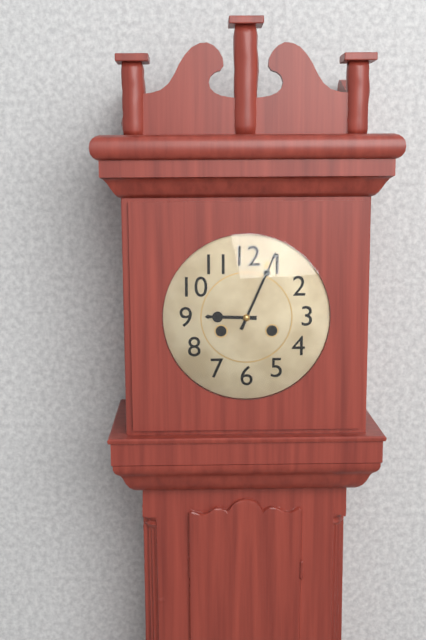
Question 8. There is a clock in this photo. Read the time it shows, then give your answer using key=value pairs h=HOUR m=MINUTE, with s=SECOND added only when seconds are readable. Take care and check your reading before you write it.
h=9 m=4
